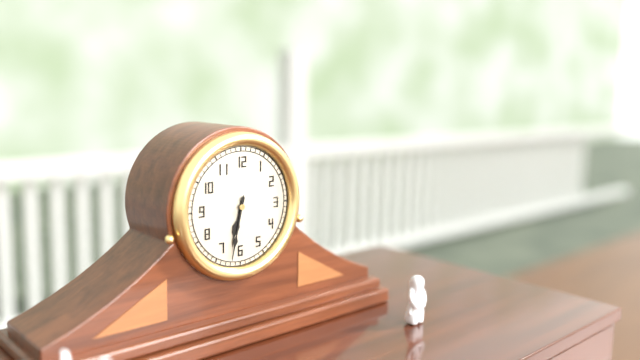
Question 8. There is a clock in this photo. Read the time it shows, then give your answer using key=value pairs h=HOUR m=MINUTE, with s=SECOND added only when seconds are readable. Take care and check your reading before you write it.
h=6 m=32
